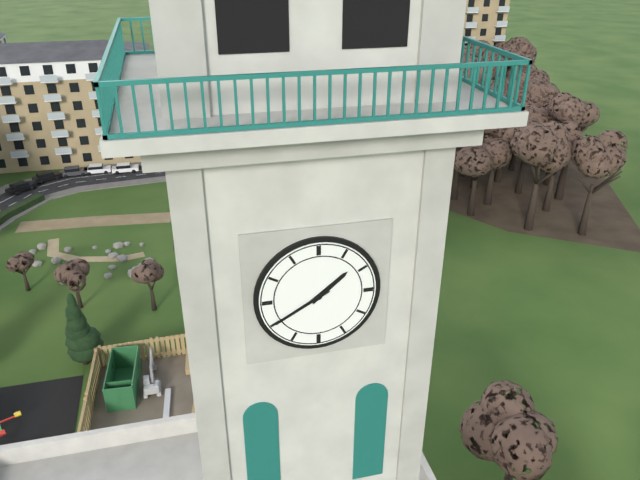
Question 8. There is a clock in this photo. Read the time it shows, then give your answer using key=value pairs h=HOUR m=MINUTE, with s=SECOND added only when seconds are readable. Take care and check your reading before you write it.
h=1 m=40
